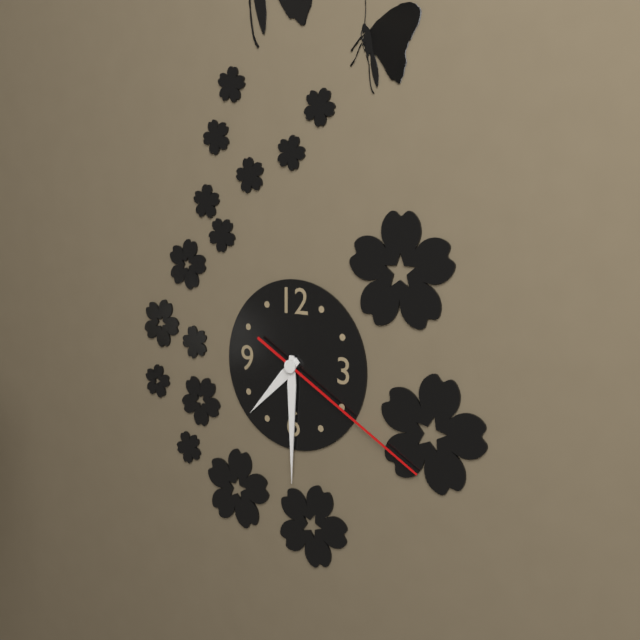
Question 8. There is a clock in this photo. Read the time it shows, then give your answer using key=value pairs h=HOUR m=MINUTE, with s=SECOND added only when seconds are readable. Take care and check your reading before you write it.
h=7 m=30 s=20
